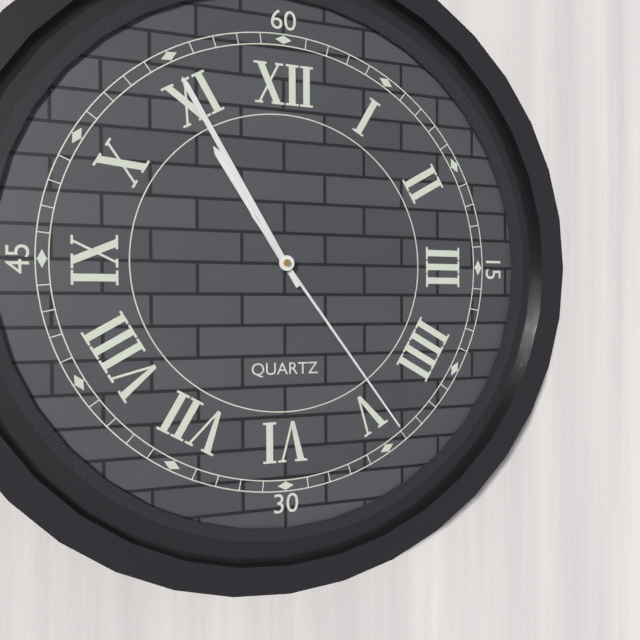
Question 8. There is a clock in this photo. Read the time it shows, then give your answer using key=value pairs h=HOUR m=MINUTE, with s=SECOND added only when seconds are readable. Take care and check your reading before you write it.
h=10 m=55 s=24
